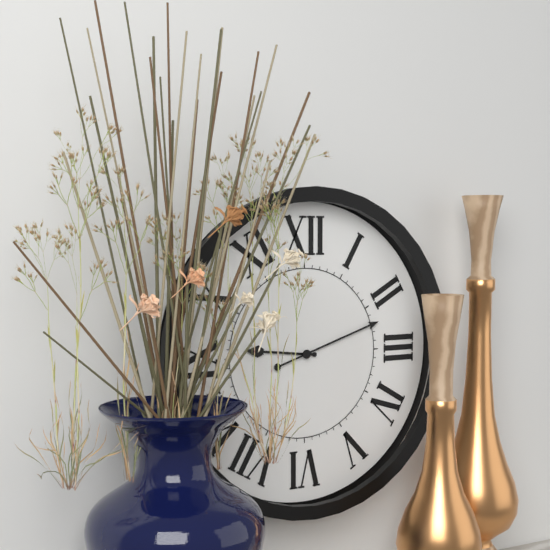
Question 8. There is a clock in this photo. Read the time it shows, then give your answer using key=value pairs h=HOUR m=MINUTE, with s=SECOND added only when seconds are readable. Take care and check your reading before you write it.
h=9 m=12
